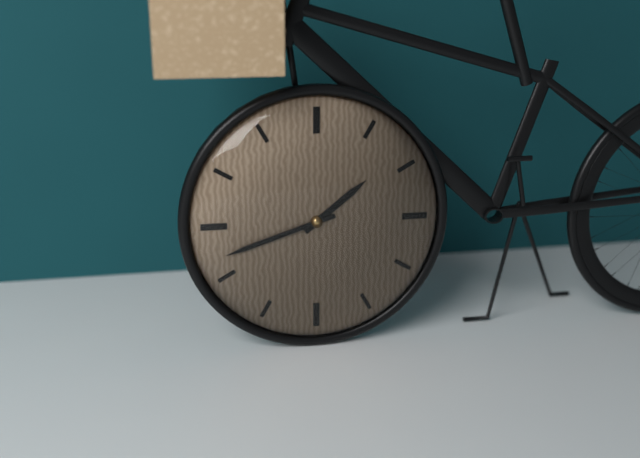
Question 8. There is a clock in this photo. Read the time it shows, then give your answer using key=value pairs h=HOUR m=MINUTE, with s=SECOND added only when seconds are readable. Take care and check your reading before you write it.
h=1 m=42
